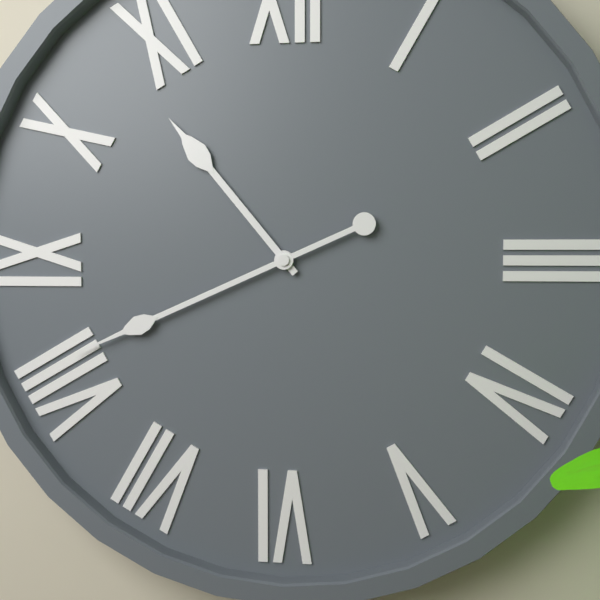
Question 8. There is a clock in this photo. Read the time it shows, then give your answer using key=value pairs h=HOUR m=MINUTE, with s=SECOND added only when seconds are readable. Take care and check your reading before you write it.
h=10 m=41
